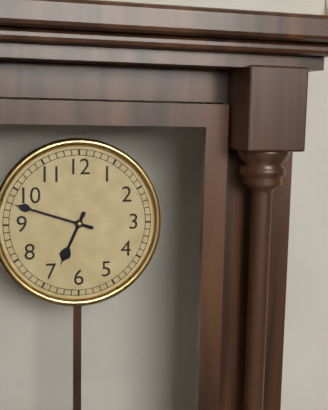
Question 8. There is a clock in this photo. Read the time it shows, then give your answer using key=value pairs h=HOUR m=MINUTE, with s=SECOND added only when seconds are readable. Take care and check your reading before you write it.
h=6 m=48
